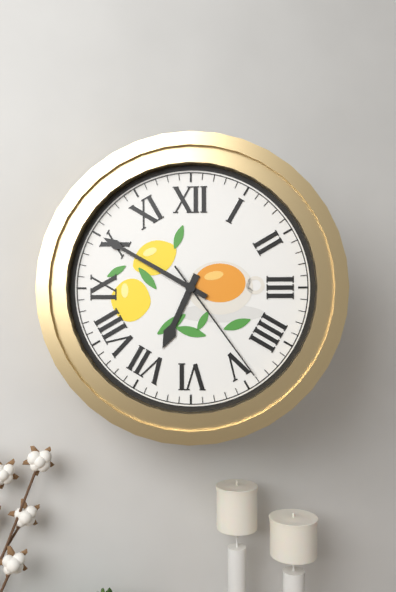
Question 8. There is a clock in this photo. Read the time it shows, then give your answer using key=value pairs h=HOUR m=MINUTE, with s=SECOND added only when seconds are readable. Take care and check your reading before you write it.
h=6 m=50 s=24
